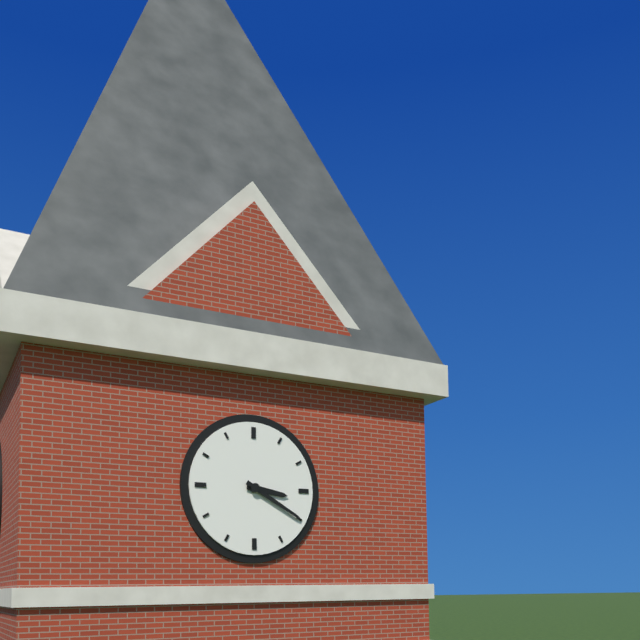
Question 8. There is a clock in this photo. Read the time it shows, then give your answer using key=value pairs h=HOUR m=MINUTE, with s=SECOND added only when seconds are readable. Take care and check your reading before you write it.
h=3 m=20
